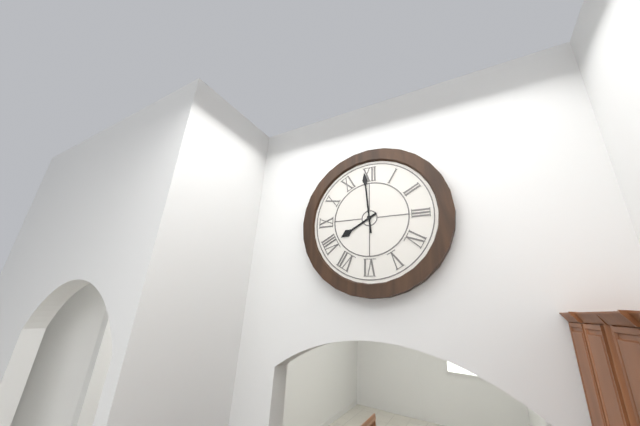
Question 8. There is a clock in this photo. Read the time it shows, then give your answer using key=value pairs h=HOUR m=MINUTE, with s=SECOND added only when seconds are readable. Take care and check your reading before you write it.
h=7 m=59
